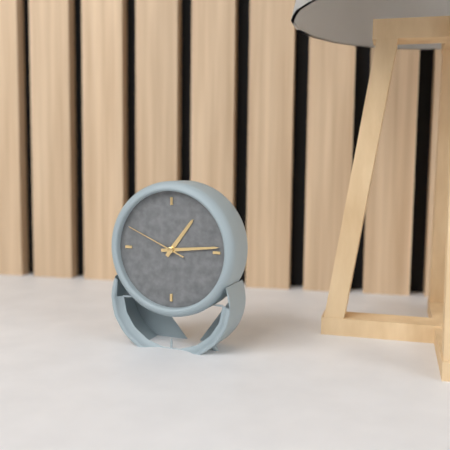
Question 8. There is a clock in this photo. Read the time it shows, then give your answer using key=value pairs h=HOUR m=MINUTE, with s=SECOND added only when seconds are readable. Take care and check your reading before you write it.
h=1 m=14 s=49
